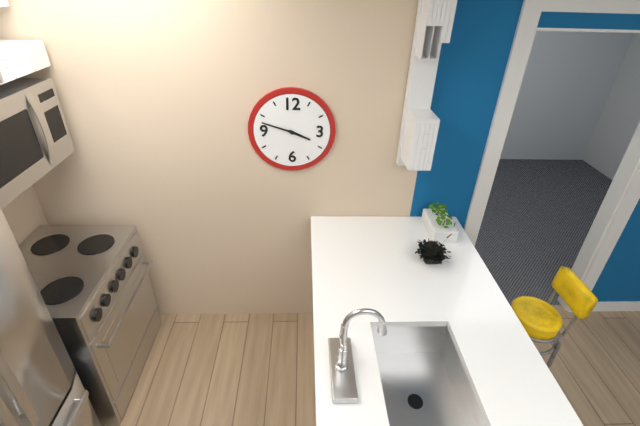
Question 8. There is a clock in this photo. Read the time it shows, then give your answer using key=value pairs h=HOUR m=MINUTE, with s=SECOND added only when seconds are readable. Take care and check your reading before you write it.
h=3 m=48
